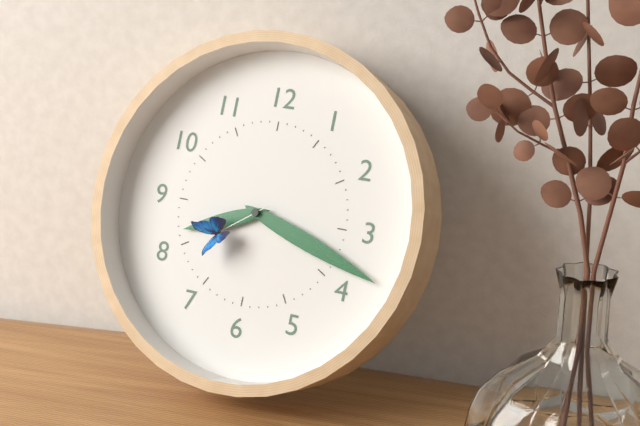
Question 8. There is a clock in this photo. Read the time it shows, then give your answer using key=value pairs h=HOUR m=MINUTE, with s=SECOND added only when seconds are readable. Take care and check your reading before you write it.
h=8 m=18 s=39
